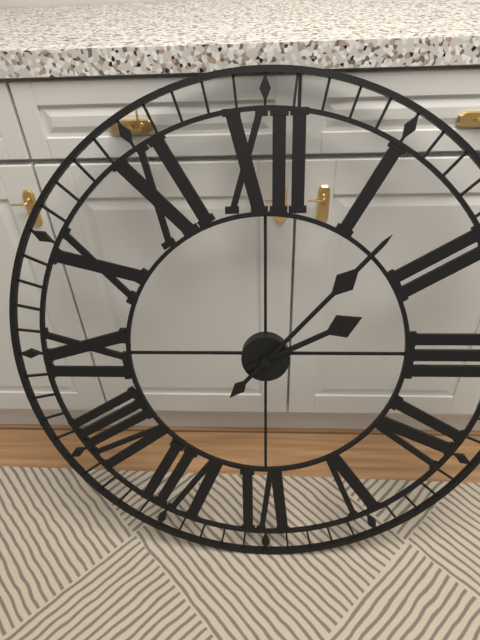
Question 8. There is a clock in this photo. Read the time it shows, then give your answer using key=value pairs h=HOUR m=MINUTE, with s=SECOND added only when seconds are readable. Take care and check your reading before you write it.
h=2 m=7
